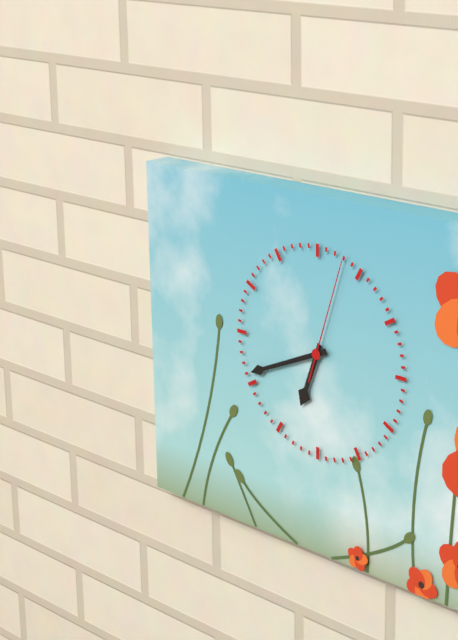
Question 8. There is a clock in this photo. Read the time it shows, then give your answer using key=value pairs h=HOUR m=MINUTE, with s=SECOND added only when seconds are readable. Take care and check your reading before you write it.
h=6 m=41 s=3
